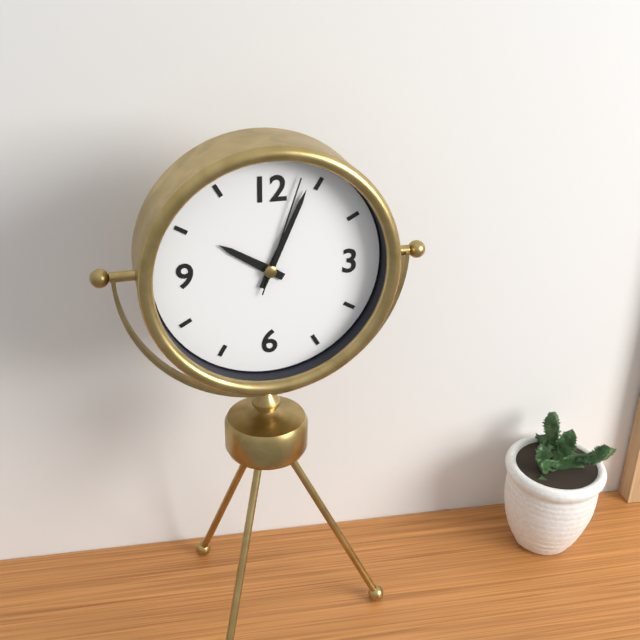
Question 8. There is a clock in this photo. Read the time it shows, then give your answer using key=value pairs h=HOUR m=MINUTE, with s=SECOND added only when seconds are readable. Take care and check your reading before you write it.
h=10 m=4 s=3
